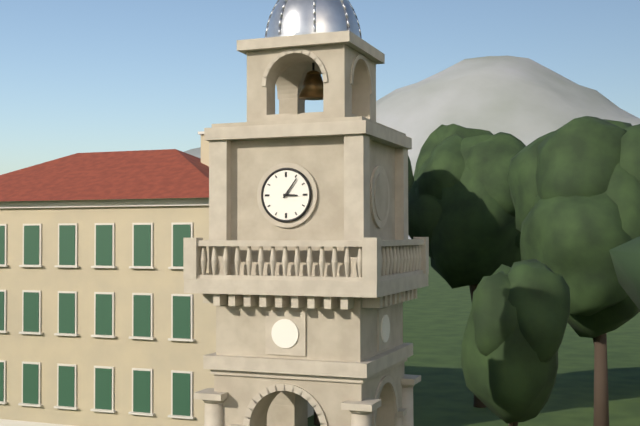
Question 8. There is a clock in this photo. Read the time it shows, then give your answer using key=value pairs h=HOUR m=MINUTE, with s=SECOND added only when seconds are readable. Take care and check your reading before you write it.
h=3 m=6
